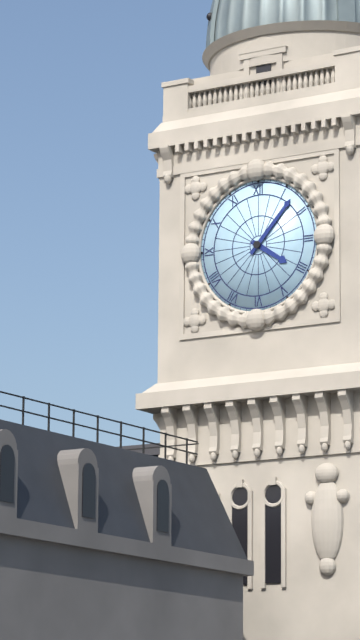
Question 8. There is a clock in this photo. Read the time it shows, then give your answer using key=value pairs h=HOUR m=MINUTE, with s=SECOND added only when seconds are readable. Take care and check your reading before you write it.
h=4 m=7
